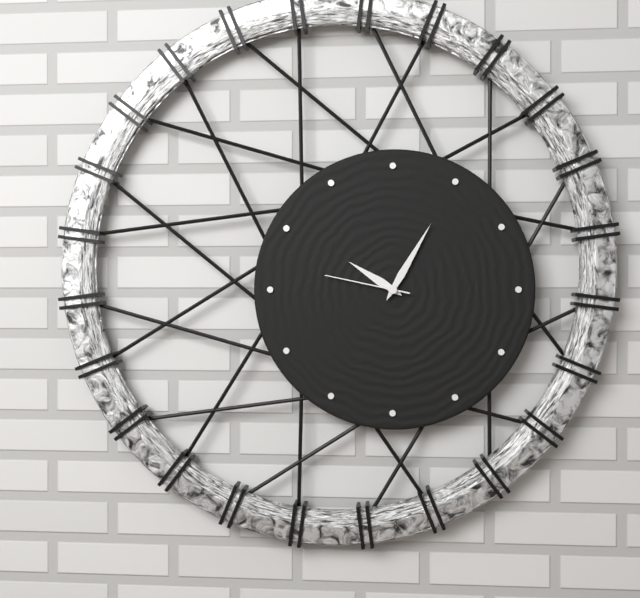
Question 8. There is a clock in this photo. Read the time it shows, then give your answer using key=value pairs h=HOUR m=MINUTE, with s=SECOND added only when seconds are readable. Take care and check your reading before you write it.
h=10 m=5 s=47
